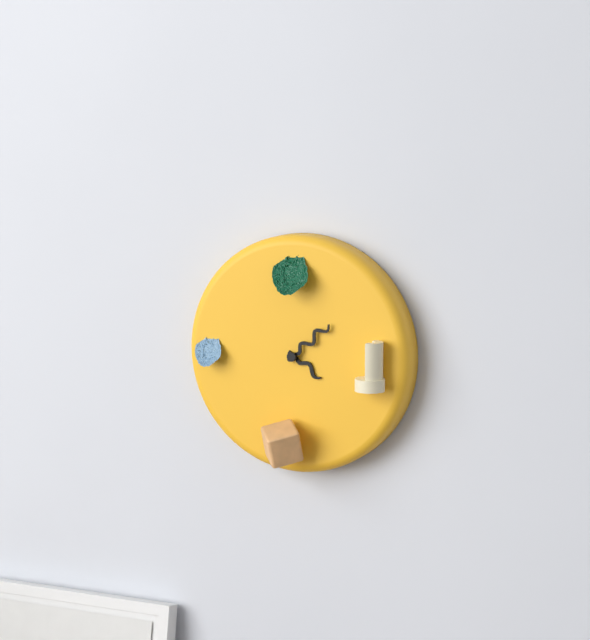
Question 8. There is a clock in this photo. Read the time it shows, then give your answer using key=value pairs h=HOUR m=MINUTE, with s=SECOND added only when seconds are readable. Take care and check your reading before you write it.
h=4 m=8
